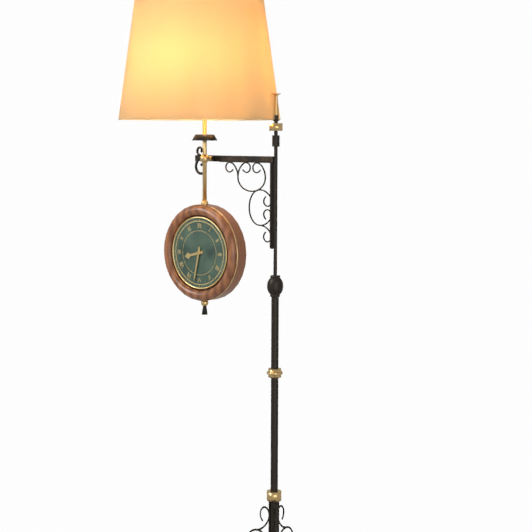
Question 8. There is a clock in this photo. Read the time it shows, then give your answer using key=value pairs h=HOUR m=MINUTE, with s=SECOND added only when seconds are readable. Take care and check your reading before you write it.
h=8 m=32
